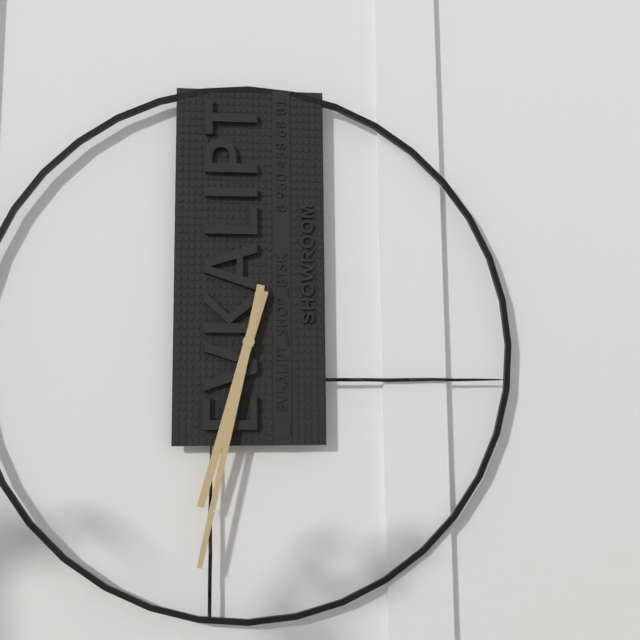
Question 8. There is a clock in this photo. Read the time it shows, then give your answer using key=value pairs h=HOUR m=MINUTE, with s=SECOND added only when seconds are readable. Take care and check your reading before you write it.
h=6 m=32
